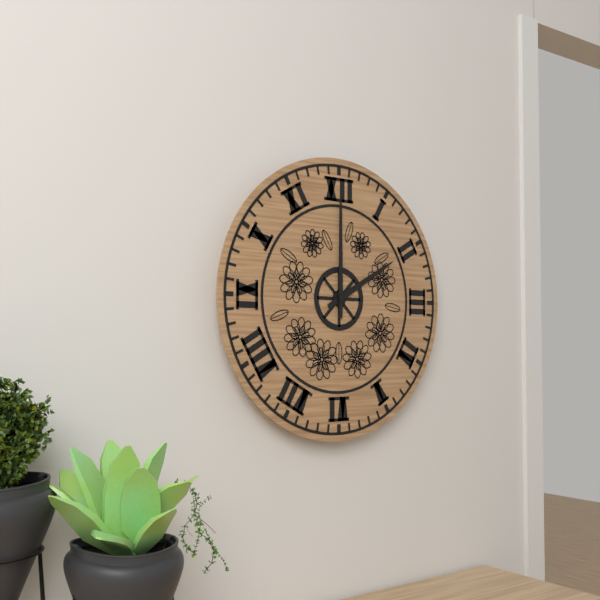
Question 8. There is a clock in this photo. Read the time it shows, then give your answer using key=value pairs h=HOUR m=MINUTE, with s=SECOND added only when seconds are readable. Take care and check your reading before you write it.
h=2 m=0
